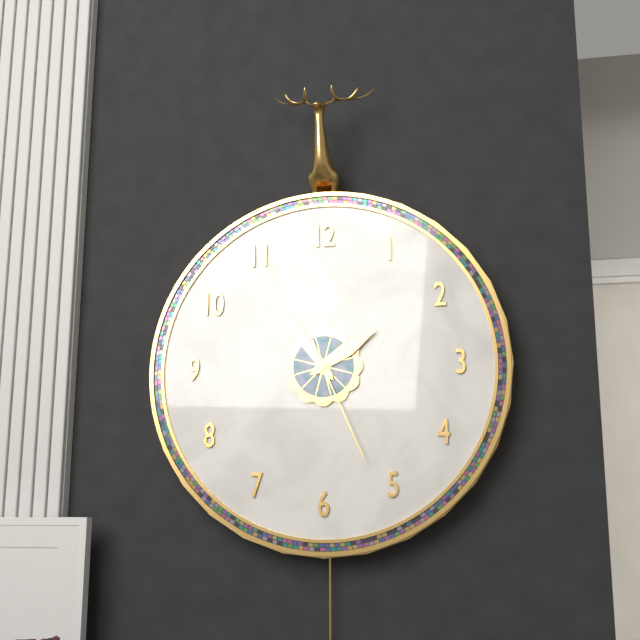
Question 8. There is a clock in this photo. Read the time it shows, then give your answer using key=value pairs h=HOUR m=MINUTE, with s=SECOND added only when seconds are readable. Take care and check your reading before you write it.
h=1 m=54 s=26
